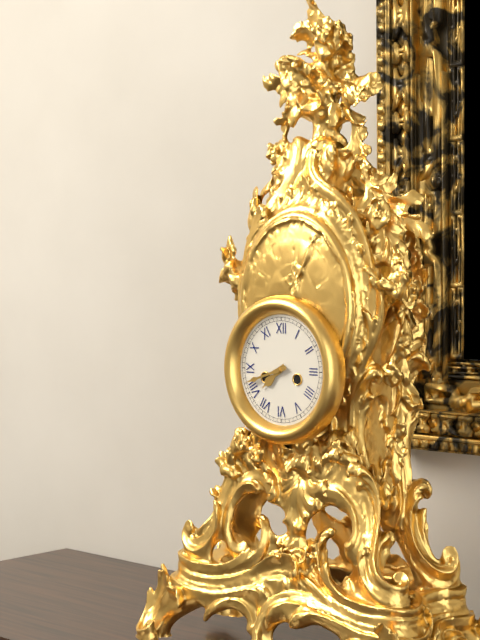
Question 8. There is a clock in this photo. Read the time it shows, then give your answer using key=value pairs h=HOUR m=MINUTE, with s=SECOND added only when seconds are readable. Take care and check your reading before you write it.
h=7 m=42
